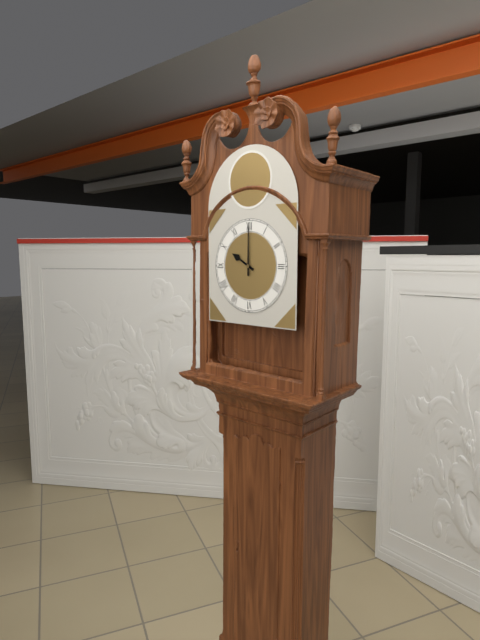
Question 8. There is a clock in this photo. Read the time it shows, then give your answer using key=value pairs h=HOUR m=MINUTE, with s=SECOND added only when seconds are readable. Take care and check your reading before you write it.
h=10 m=0
